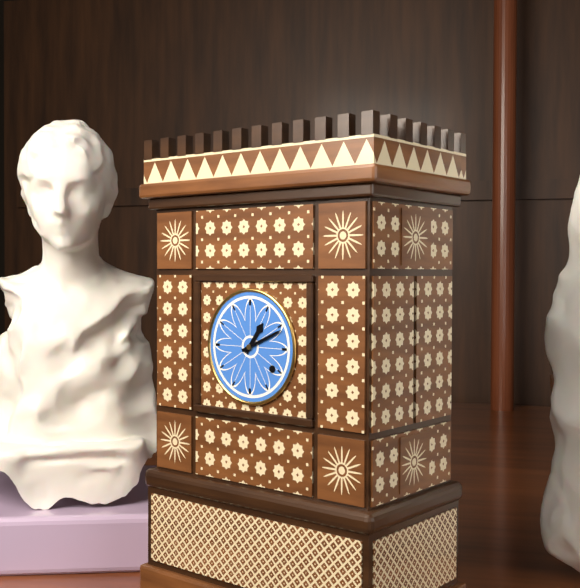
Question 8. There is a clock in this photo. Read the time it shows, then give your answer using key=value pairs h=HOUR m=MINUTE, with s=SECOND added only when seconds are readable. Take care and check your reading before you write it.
h=1 m=11
